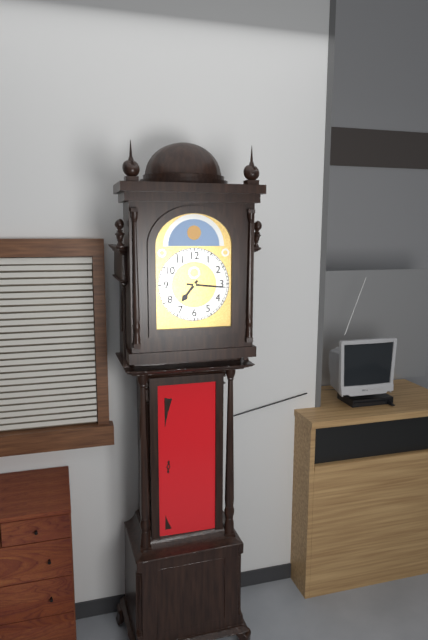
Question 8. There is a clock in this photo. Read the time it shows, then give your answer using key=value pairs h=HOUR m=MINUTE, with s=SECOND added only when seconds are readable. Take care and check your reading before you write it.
h=7 m=16
